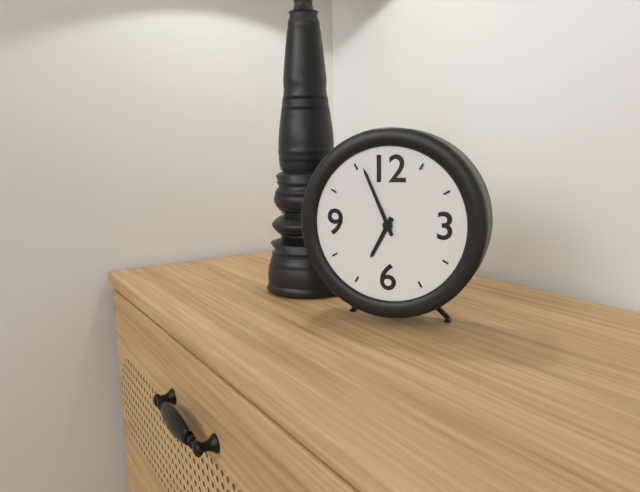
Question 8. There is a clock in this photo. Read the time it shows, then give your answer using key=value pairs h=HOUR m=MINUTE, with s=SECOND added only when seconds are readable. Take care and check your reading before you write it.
h=6 m=56
